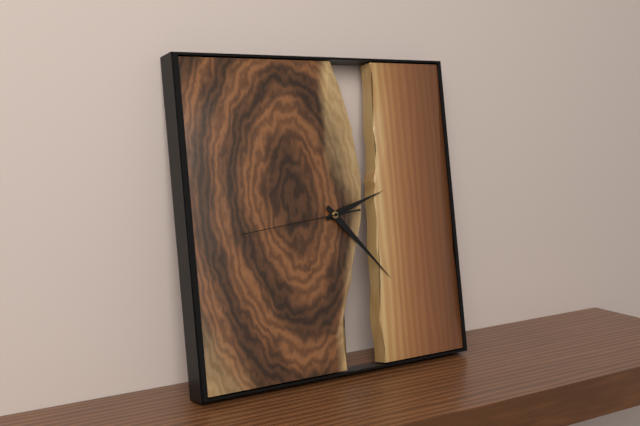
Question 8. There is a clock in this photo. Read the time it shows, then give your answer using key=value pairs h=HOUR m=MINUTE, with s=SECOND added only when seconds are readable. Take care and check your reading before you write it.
h=2 m=23 s=44
